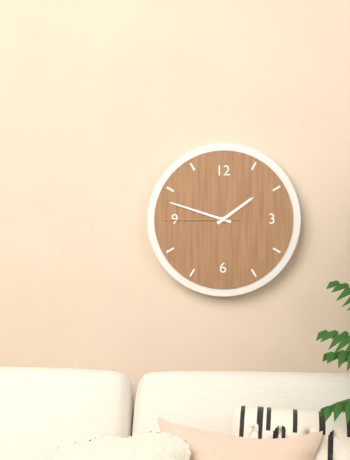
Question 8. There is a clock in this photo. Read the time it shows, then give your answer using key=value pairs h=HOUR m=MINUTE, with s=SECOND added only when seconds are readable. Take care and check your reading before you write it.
h=1 m=48 s=45
